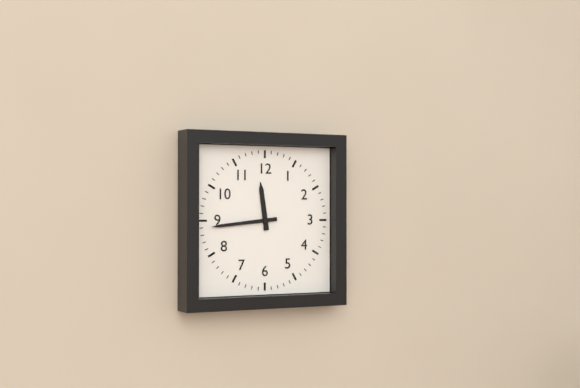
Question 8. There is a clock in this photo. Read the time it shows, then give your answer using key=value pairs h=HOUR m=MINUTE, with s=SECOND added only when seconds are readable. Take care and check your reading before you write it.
h=11 m=44
